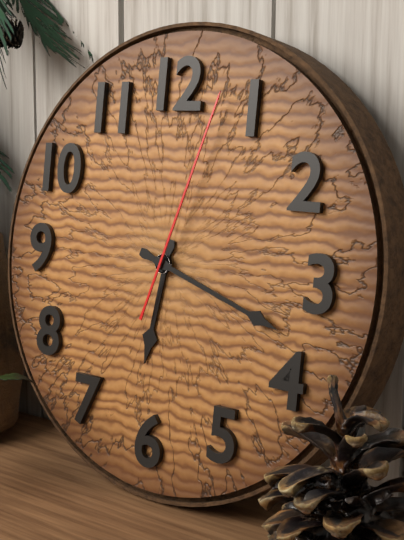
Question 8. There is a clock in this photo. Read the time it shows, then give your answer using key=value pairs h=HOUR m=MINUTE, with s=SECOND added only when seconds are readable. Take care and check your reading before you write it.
h=6 m=18 s=3
